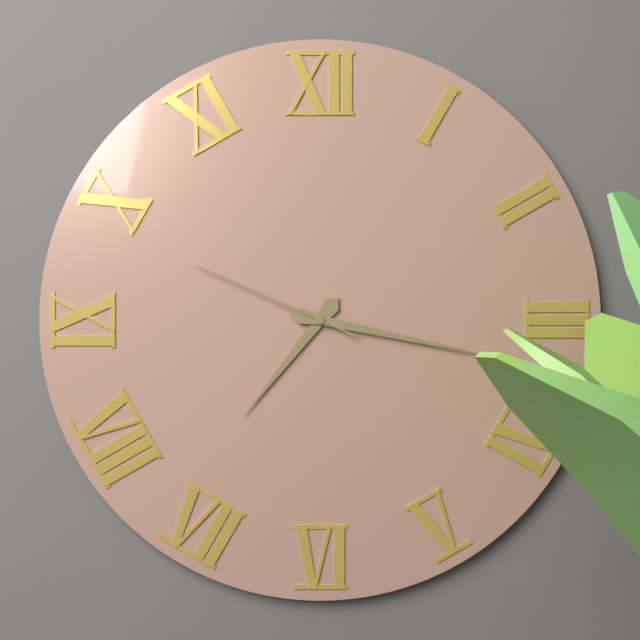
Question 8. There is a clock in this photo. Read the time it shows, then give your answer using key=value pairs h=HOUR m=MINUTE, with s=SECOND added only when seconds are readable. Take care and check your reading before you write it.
h=7 m=17 s=49
